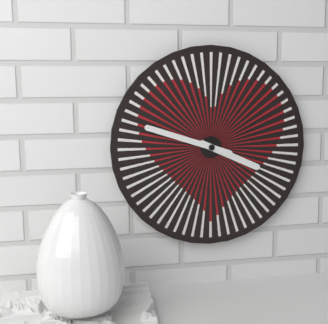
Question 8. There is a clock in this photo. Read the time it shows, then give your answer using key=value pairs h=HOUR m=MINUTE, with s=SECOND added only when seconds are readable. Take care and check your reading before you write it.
h=3 m=48
